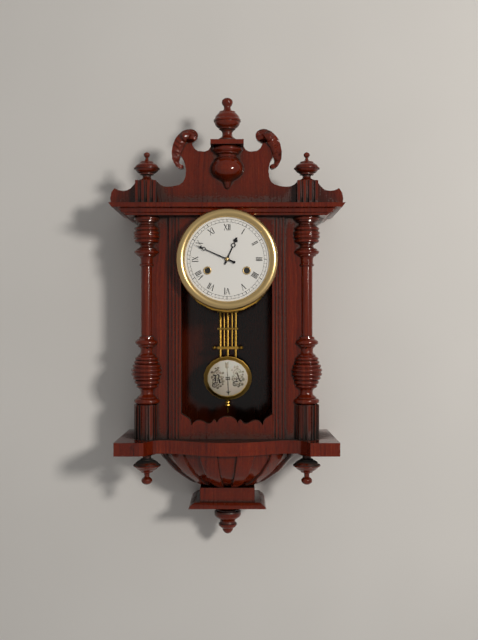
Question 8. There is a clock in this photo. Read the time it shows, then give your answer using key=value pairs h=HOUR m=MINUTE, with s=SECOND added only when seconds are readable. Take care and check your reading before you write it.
h=12 m=49
